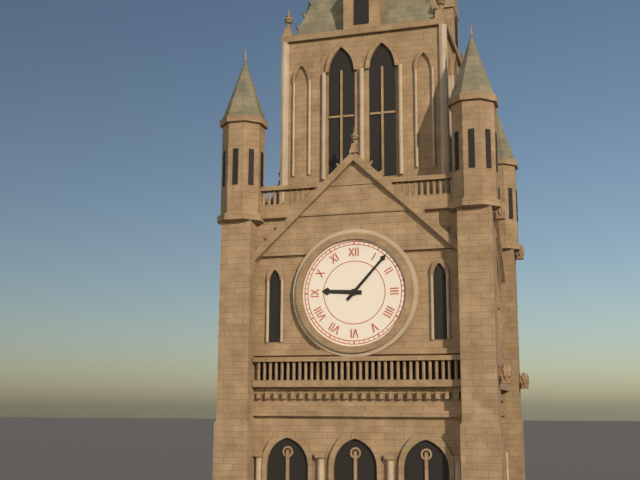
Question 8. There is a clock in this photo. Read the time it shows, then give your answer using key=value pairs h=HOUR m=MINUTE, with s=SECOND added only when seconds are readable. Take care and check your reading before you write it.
h=9 m=7
